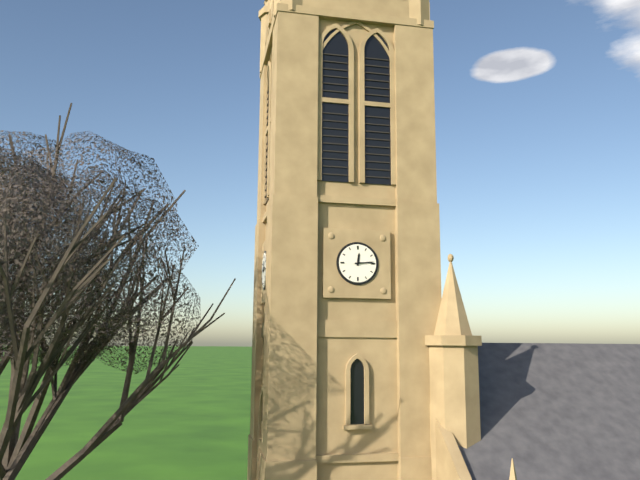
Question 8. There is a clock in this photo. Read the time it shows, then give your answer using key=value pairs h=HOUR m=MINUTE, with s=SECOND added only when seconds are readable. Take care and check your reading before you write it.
h=12 m=14
